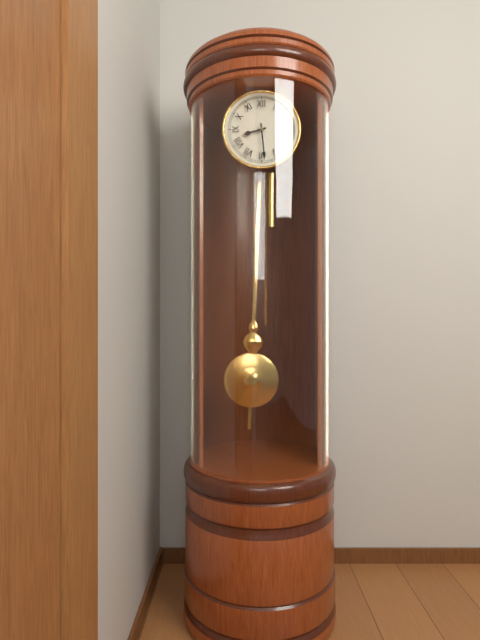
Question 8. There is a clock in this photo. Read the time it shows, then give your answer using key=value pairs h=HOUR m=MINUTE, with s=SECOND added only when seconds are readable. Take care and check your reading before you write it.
h=8 m=29
